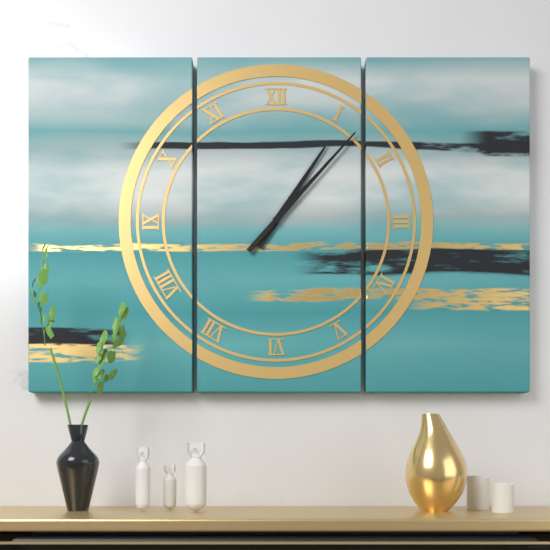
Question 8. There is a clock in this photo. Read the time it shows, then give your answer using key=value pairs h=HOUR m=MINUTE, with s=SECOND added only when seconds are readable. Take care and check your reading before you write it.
h=1 m=7
